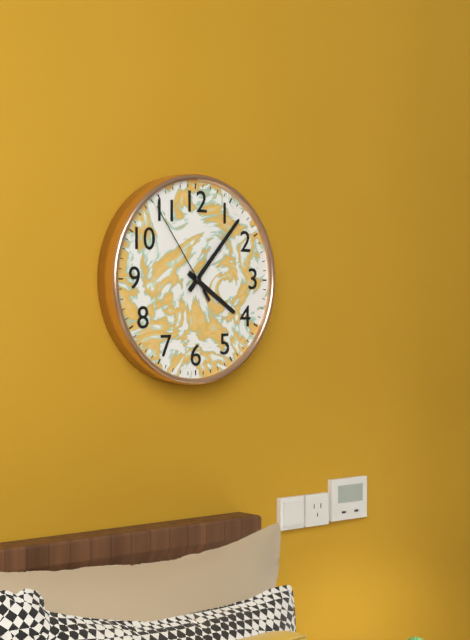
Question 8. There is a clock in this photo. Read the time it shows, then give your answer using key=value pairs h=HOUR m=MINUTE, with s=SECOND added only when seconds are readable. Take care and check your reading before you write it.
h=4 m=7 s=54
